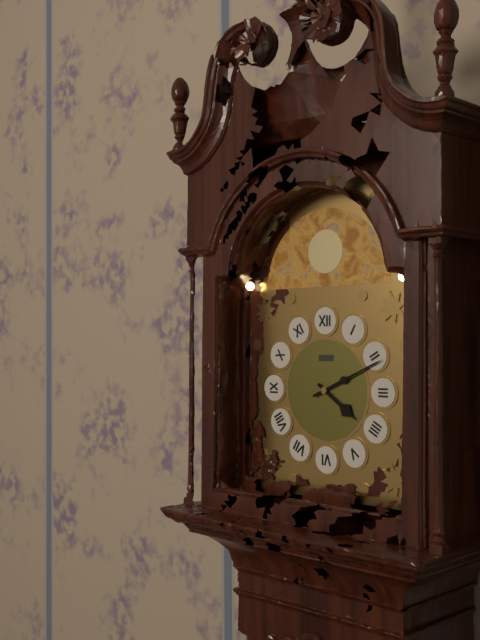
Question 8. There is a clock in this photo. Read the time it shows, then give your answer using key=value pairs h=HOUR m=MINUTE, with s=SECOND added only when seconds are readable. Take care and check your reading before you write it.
h=4 m=11
